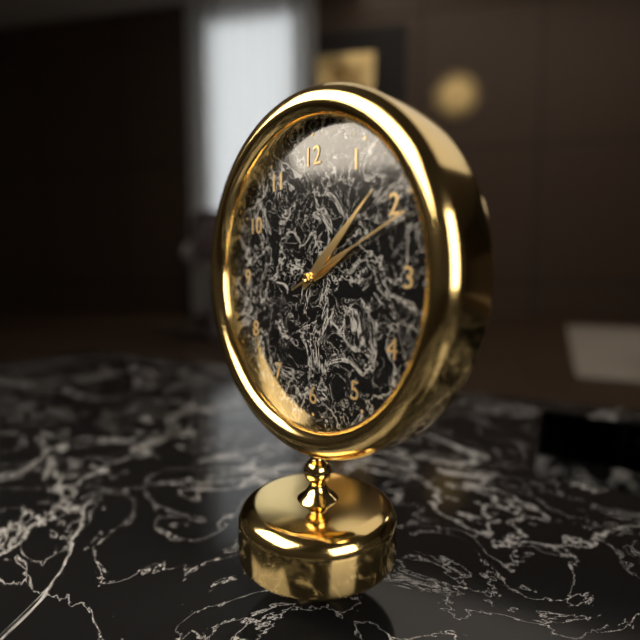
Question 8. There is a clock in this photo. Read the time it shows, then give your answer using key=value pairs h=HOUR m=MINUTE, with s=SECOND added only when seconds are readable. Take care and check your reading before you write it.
h=2 m=8 s=11
